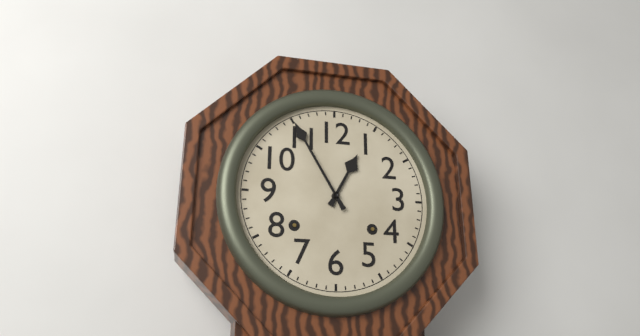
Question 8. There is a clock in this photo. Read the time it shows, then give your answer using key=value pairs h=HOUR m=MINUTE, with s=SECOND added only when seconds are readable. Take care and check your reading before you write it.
h=12 m=55
